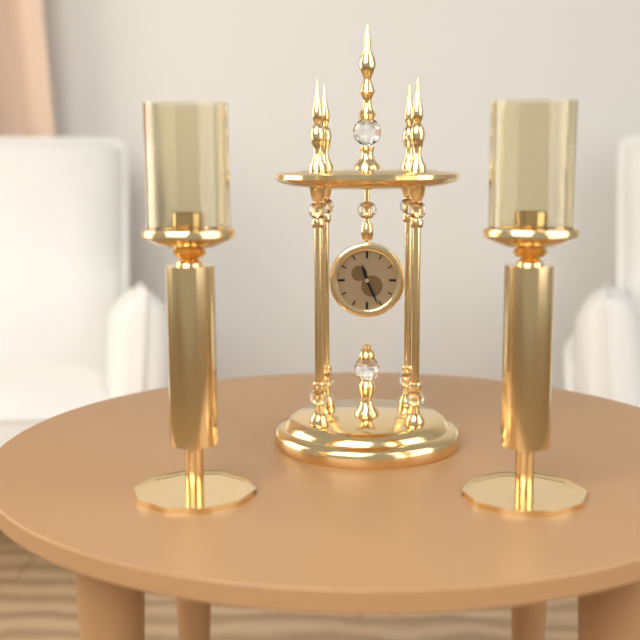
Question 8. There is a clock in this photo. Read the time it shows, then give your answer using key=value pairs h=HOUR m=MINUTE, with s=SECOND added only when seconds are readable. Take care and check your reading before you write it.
h=11 m=26
